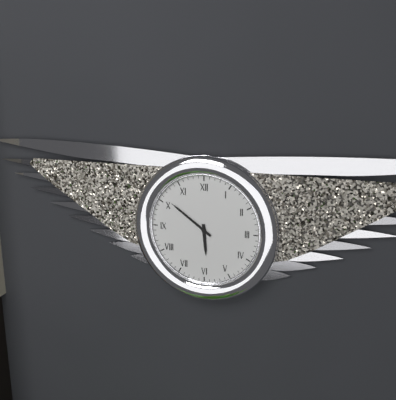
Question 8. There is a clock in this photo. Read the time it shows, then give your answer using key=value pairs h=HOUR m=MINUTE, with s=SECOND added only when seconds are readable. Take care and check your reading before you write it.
h=5 m=51
